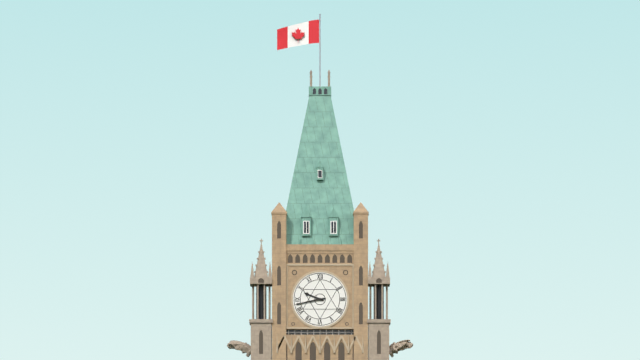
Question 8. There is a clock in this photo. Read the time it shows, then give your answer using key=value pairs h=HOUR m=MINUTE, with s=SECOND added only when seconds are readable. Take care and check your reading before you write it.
h=9 m=43
